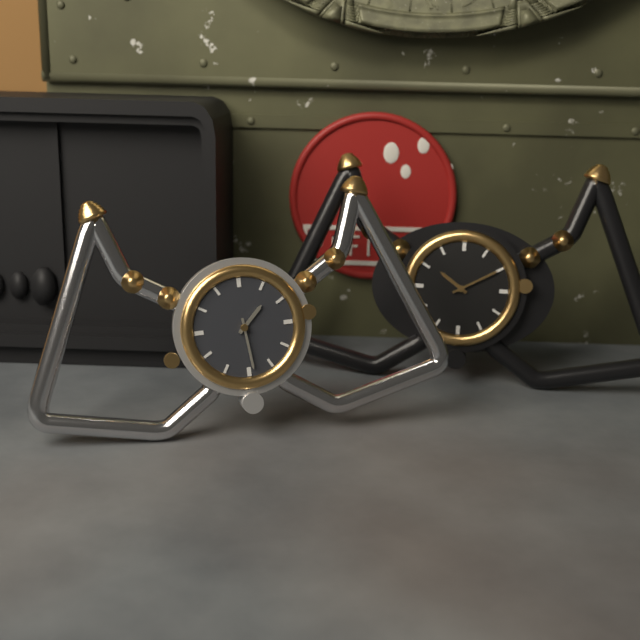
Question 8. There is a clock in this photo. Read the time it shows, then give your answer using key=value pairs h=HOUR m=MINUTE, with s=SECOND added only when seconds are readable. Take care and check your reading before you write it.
h=1 m=29
